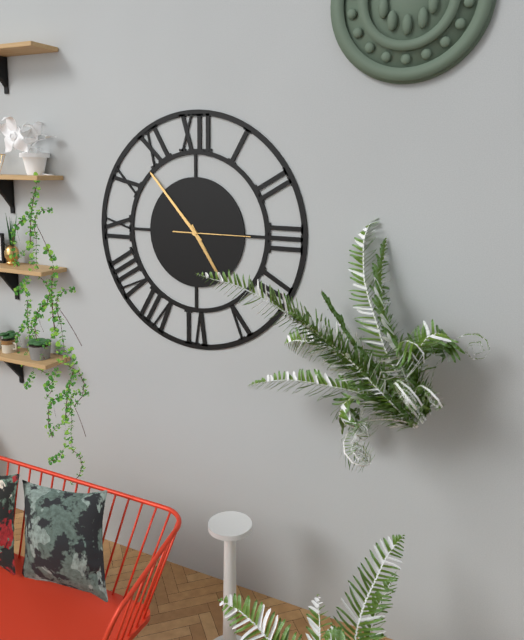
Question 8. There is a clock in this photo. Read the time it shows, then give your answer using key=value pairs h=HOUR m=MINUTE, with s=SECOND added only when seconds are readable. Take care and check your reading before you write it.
h=4 m=53 s=15
